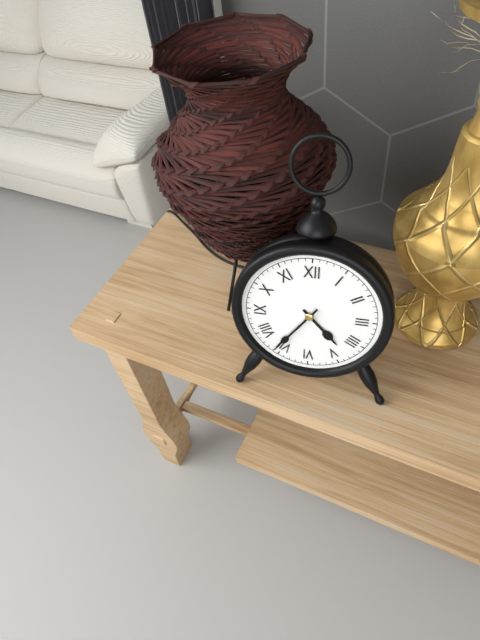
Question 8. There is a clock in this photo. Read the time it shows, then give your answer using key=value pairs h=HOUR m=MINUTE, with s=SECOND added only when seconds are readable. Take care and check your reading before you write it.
h=4 m=36
